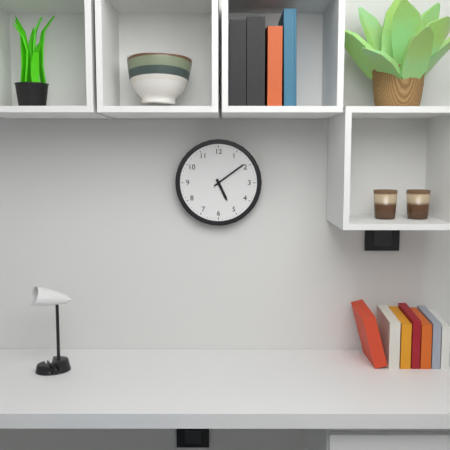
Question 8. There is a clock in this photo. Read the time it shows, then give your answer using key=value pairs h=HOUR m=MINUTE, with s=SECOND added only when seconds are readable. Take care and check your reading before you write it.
h=5 m=9
